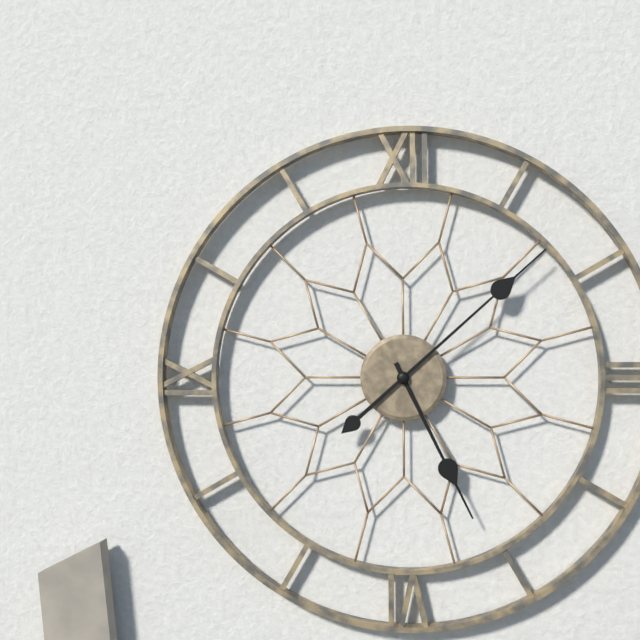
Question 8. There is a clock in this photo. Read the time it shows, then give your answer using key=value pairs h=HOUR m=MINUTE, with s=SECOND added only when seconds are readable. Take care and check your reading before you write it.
h=5 m=8
